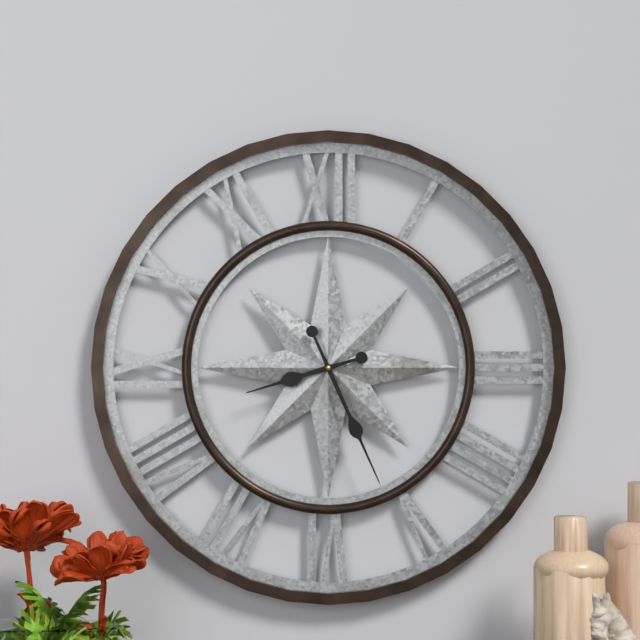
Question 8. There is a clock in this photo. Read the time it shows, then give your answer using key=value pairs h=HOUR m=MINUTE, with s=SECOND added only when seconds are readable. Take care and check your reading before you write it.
h=8 m=26
